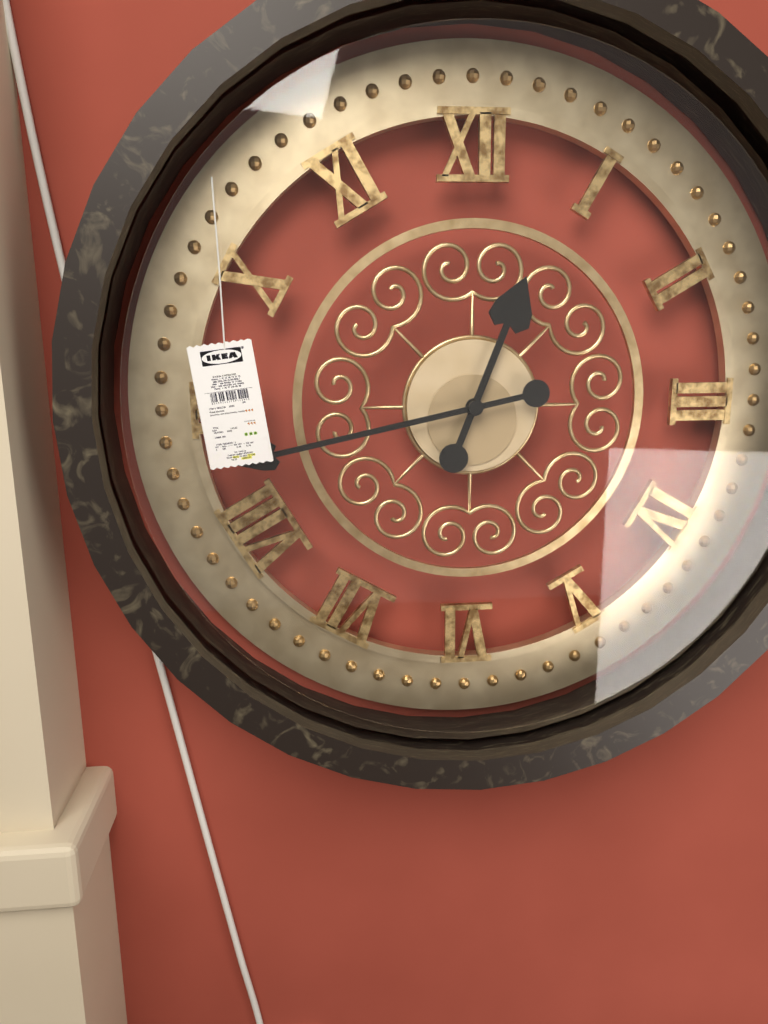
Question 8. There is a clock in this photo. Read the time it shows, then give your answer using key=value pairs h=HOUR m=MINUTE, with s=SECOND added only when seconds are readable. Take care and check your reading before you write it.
h=12 m=43
